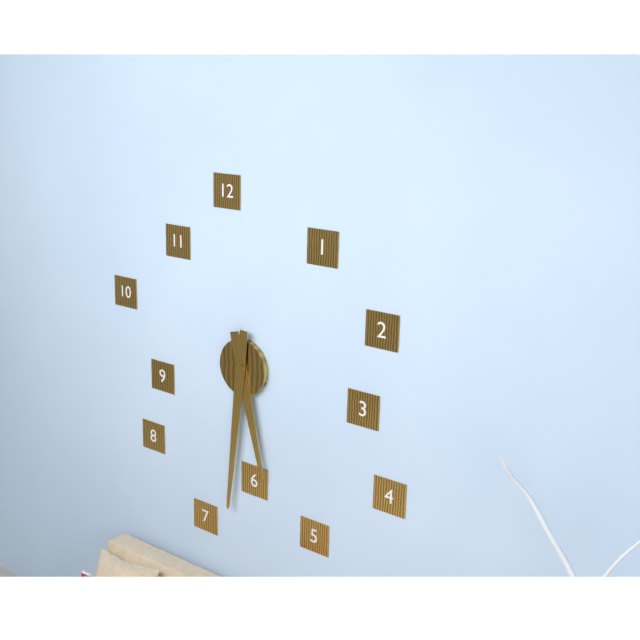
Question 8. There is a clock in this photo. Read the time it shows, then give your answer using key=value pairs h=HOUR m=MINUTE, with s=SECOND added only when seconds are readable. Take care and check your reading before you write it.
h=5 m=31
